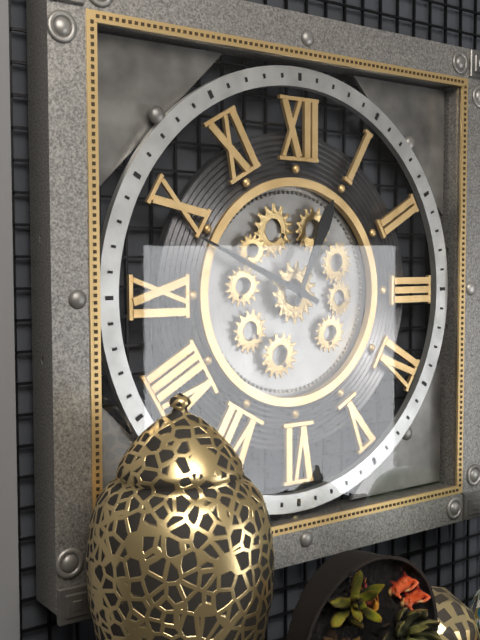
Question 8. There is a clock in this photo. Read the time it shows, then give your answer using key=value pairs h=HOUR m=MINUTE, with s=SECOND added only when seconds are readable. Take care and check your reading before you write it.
h=12 m=49
